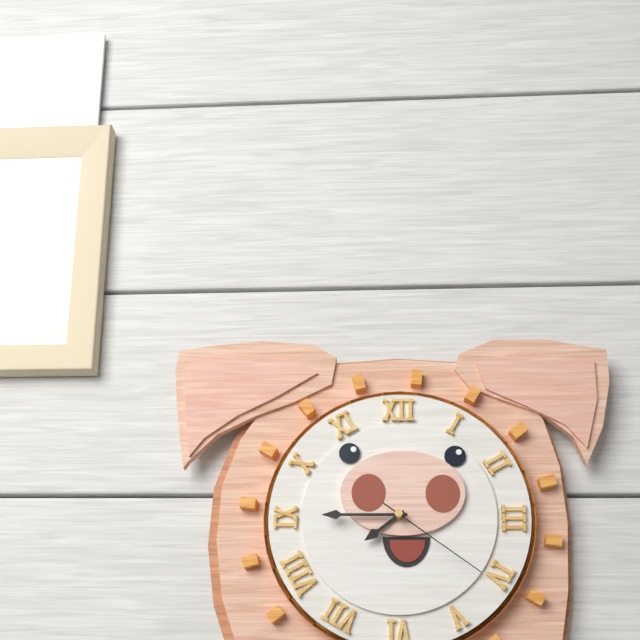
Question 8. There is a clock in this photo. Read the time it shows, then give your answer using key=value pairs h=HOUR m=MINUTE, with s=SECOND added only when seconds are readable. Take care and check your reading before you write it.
h=7 m=45 s=21
